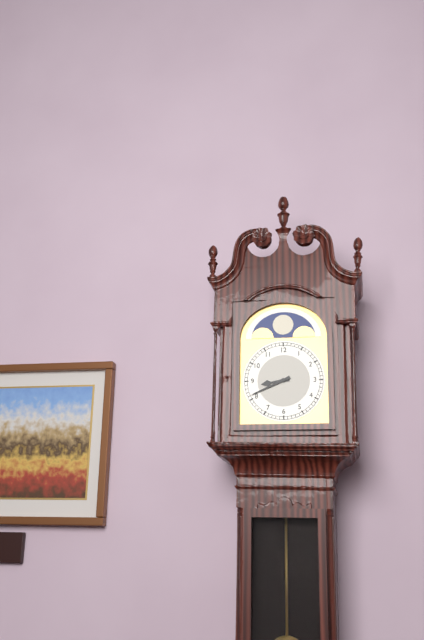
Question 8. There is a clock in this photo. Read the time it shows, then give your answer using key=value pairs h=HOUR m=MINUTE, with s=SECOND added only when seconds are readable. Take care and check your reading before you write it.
h=8 m=41
